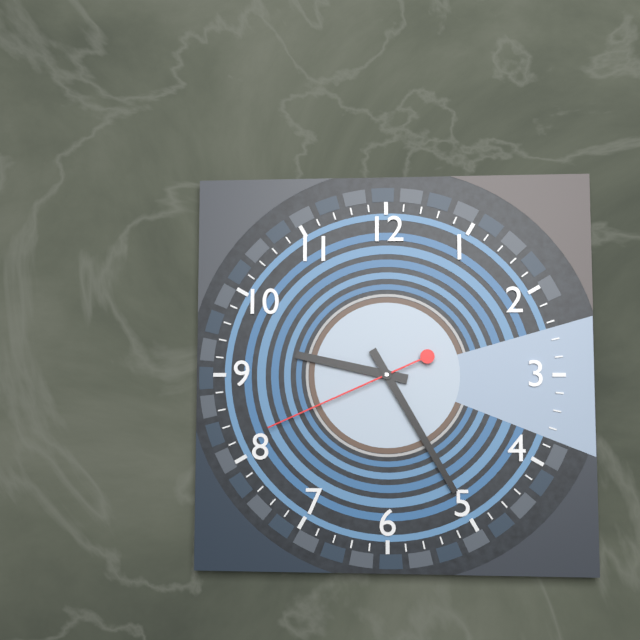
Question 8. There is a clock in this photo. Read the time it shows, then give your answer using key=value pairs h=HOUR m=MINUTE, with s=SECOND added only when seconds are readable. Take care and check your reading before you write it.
h=9 m=25 s=41
